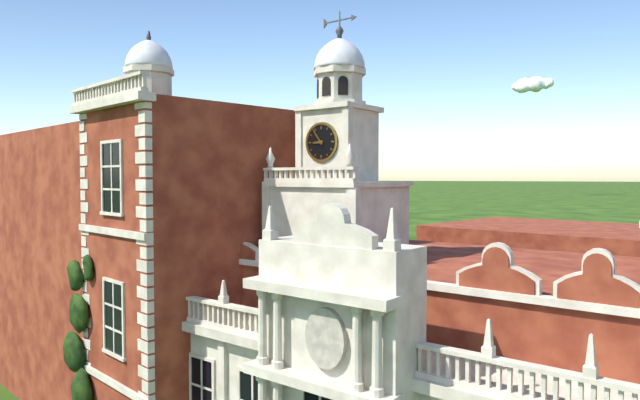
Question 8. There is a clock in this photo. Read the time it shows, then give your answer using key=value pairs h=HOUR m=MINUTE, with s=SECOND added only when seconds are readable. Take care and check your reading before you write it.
h=8 m=54
